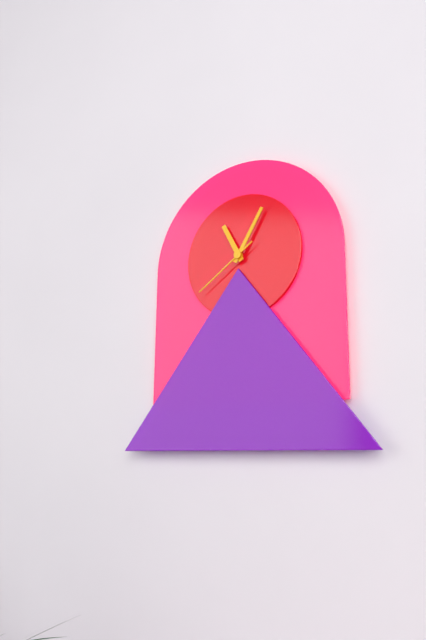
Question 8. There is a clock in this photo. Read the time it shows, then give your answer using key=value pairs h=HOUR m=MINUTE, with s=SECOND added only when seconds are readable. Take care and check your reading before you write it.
h=11 m=5 s=39
